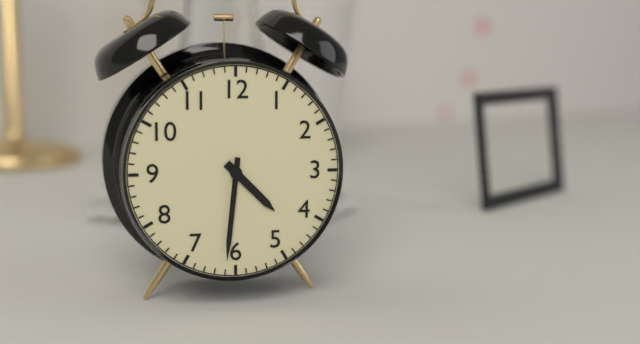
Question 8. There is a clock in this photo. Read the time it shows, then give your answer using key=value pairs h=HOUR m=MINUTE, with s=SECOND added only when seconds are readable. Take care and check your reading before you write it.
h=4 m=31
